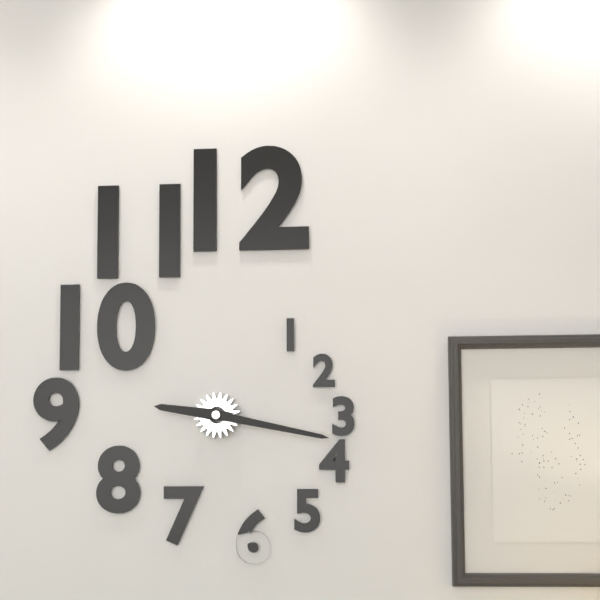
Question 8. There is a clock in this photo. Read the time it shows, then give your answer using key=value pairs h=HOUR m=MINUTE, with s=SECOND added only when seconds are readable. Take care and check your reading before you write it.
h=9 m=17
